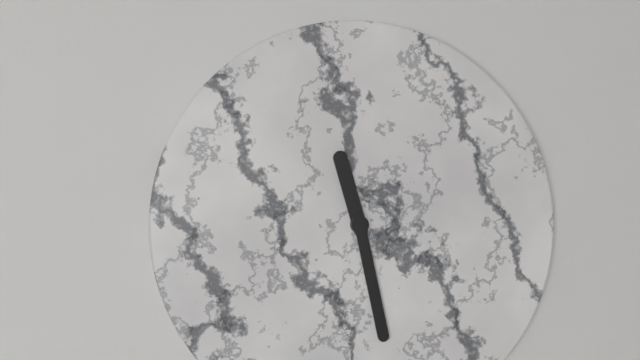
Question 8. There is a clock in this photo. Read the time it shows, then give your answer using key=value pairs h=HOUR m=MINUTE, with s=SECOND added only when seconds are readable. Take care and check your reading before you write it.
h=11 m=28
